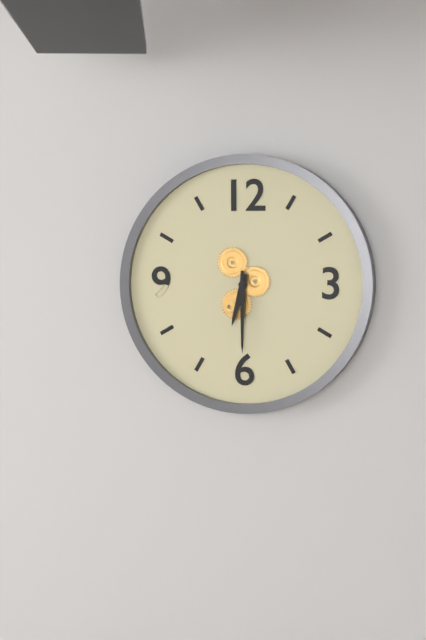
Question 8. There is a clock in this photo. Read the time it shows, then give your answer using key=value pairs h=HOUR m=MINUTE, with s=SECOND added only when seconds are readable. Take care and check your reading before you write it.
h=6 m=30
